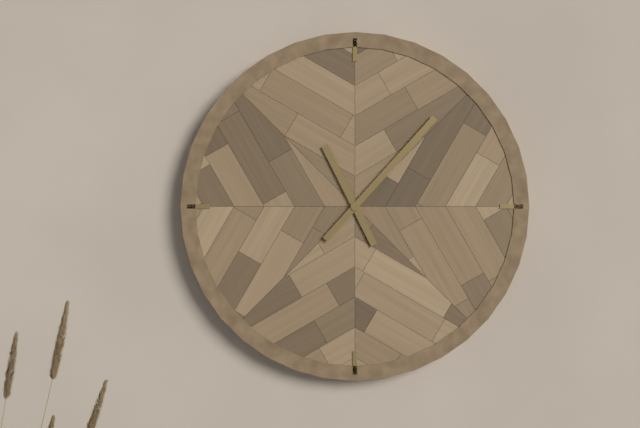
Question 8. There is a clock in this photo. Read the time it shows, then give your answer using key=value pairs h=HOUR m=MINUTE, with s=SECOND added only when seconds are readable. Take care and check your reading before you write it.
h=11 m=7
